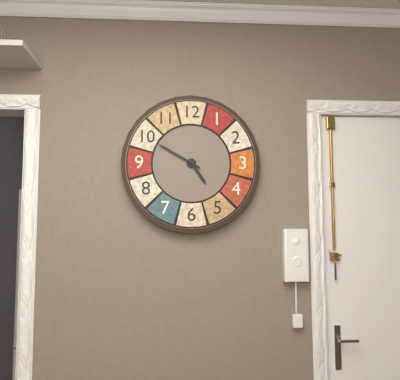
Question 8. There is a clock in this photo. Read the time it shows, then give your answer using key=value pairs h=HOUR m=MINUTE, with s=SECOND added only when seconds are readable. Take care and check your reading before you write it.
h=4 m=50
